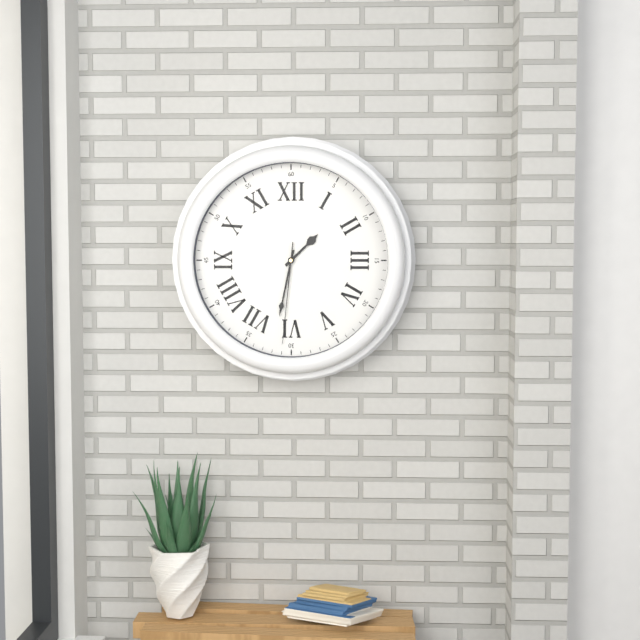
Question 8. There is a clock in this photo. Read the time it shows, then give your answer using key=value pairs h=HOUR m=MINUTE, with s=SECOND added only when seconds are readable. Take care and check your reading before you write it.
h=1 m=32 s=31
